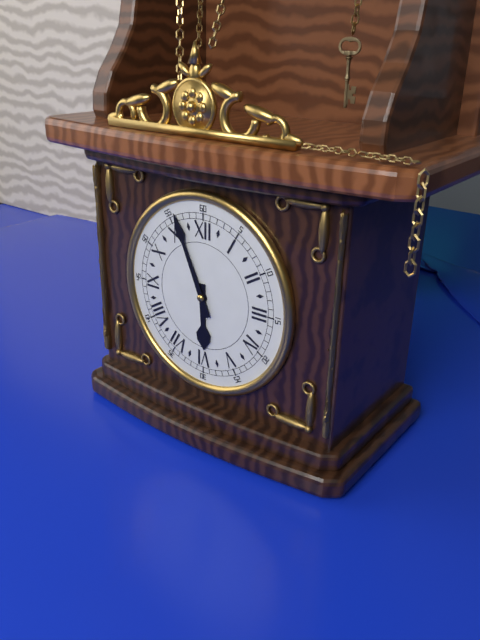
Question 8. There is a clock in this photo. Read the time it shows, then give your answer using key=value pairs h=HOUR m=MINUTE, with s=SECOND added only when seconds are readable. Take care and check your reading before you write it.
h=5 m=56
